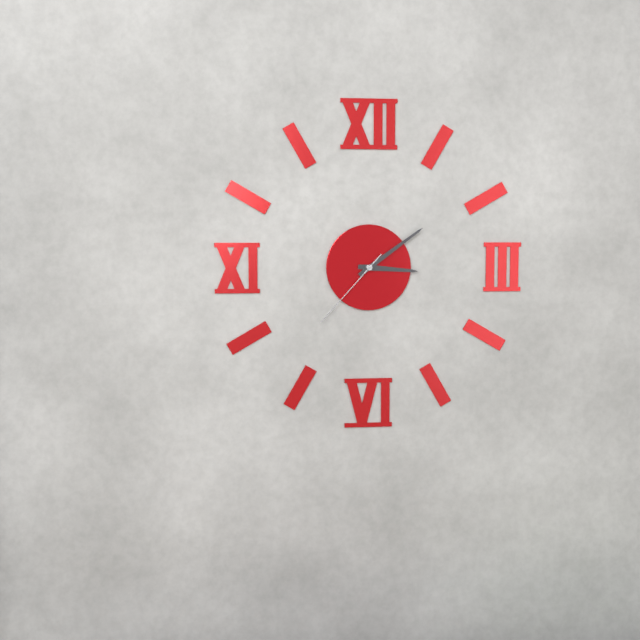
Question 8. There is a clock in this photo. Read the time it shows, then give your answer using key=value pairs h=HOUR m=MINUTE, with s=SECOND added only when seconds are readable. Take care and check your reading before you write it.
h=3 m=9 s=37
